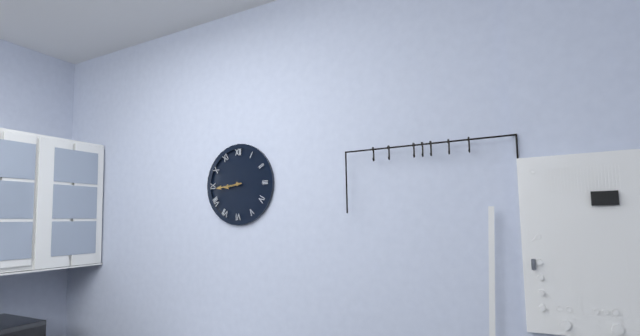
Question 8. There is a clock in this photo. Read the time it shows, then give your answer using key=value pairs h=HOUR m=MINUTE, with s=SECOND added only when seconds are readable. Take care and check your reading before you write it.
h=8 m=44
